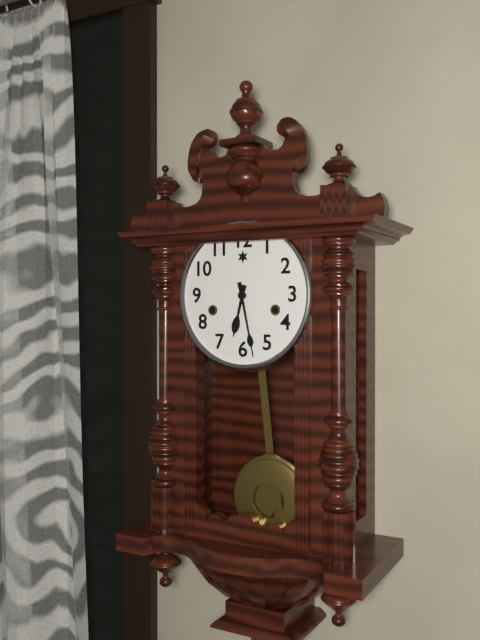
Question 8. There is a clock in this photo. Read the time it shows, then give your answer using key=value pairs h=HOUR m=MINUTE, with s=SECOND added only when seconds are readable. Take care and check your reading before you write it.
h=6 m=28
